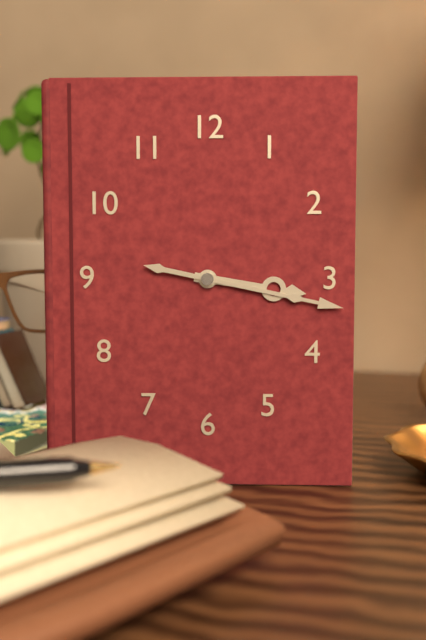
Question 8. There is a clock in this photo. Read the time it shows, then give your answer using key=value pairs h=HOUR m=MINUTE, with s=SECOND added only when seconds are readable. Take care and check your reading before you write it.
h=3 m=17
